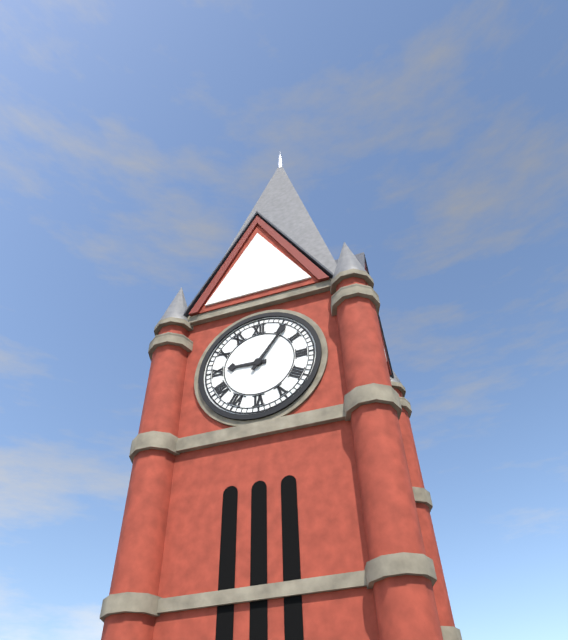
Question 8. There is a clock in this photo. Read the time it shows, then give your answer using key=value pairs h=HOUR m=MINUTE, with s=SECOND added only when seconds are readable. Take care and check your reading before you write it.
h=9 m=6
